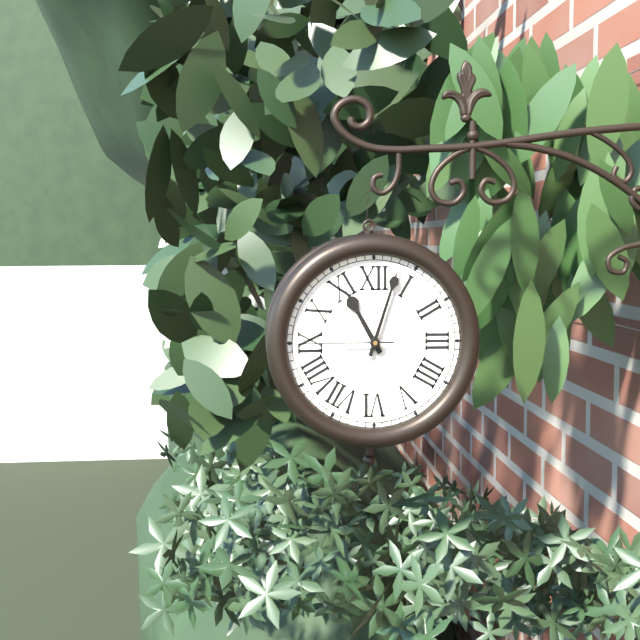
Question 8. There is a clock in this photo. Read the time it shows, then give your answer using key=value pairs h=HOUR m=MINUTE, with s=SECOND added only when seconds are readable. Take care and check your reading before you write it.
h=11 m=3 s=45
